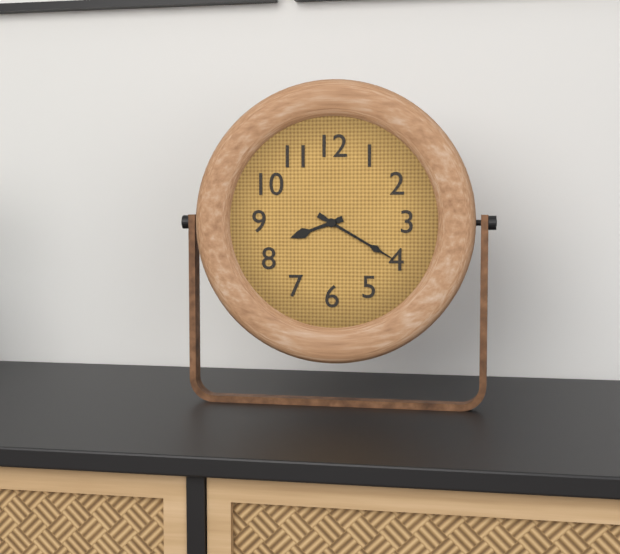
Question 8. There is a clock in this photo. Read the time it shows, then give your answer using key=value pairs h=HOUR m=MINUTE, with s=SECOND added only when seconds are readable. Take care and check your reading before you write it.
h=8 m=20
